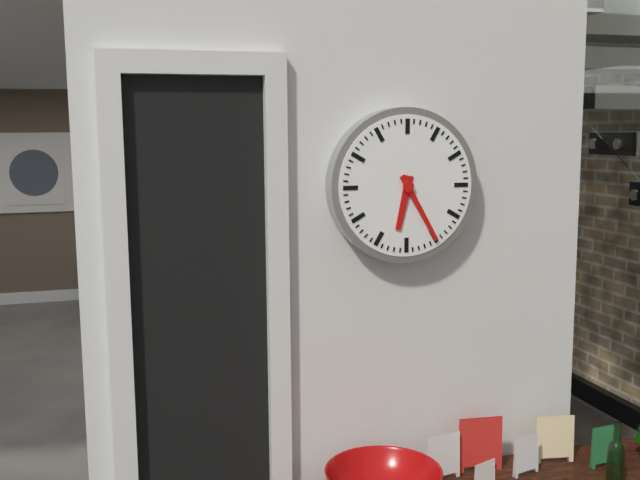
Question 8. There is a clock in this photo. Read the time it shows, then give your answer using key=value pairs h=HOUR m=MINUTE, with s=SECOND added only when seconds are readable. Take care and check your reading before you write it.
h=6 m=25
